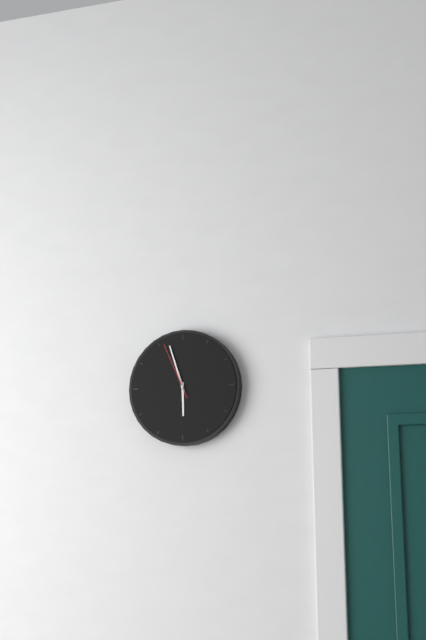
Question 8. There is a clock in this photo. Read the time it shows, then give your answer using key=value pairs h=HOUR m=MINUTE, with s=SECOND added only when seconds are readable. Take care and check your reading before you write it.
h=5 m=57 s=56
